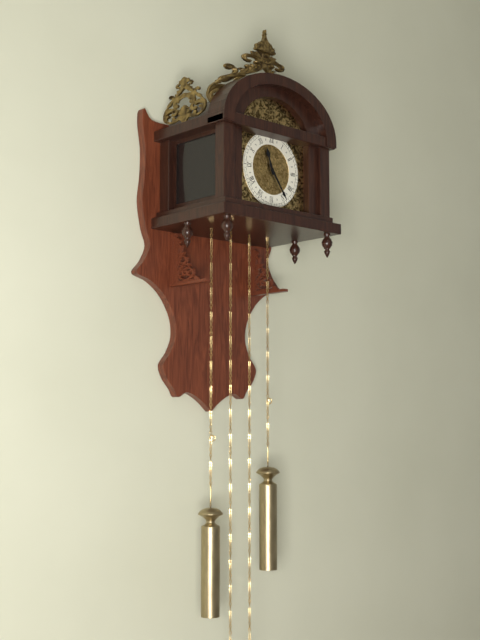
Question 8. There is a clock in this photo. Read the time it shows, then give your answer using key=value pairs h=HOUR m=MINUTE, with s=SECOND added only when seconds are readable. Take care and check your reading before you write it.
h=11 m=24
